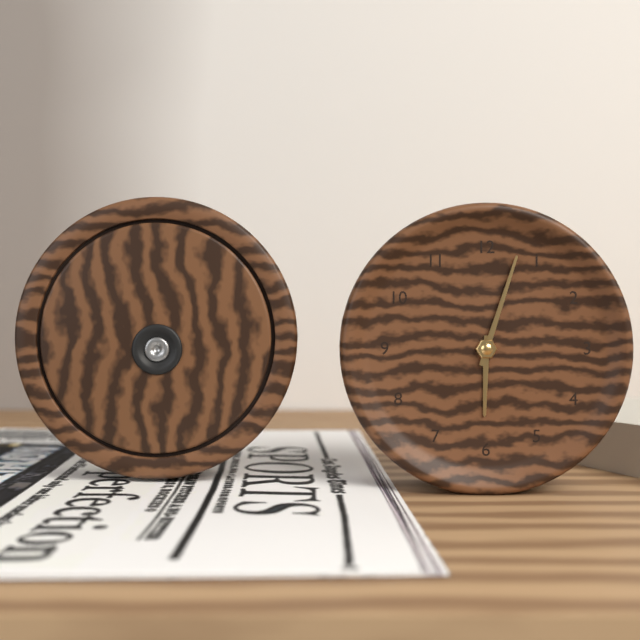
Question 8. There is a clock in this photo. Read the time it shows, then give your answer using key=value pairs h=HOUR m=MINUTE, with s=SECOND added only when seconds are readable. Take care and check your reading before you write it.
h=6 m=3
